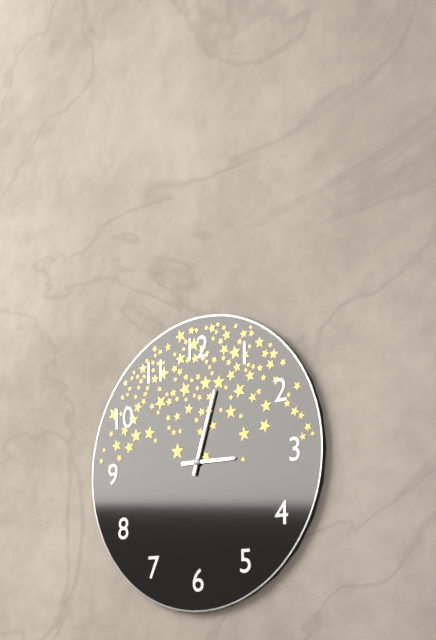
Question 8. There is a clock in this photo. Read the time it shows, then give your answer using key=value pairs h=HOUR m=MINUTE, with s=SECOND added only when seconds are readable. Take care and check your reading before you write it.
h=3 m=3
